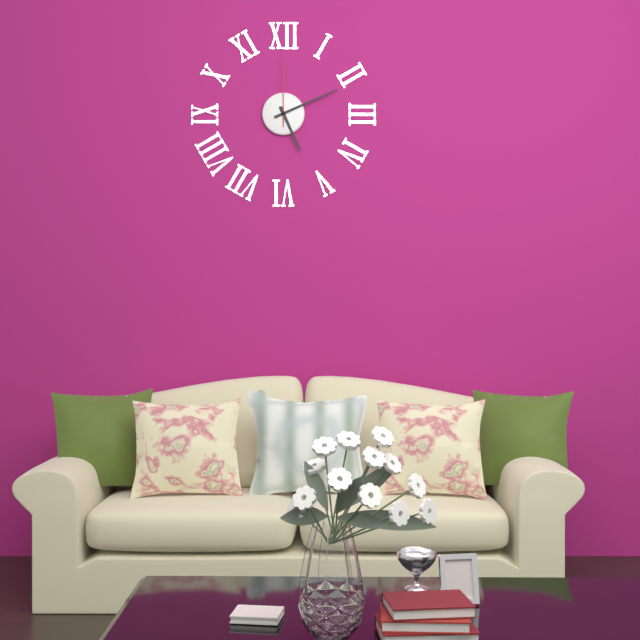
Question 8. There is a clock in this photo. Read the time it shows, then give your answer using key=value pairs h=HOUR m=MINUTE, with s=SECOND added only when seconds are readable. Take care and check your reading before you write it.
h=5 m=11 s=0
